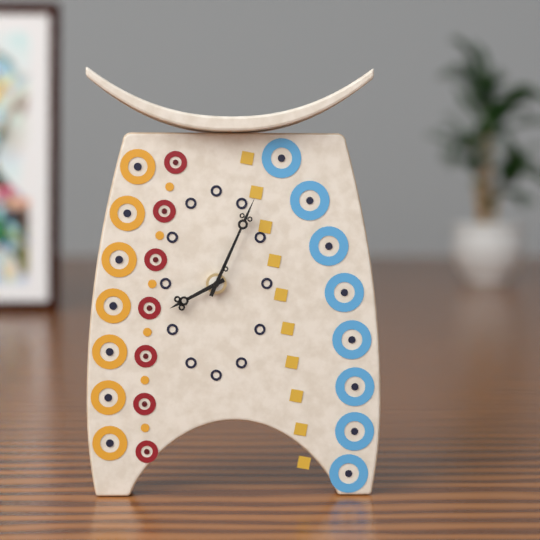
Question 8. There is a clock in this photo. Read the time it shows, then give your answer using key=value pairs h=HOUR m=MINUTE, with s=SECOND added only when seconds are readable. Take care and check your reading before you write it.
h=8 m=4
